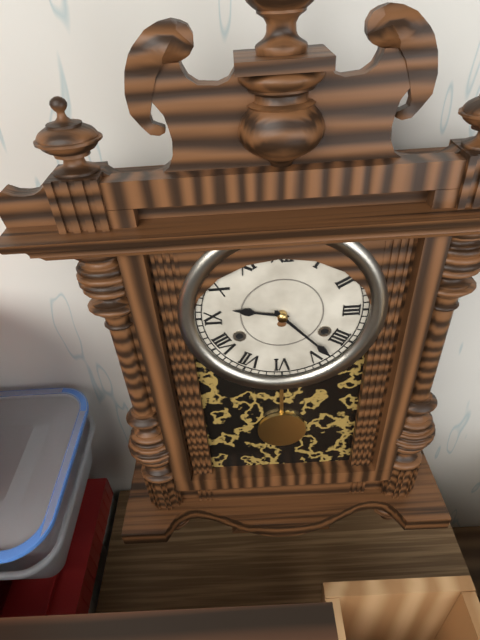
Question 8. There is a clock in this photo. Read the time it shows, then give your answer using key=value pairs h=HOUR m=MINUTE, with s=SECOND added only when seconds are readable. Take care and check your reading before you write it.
h=9 m=23
